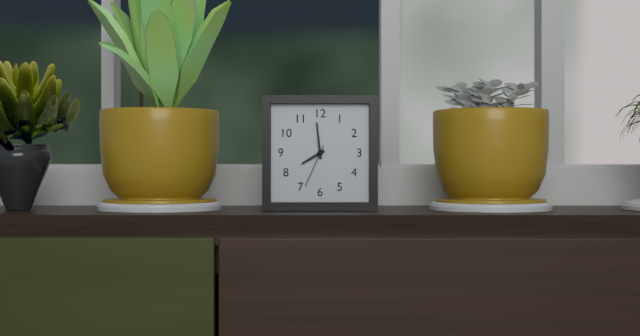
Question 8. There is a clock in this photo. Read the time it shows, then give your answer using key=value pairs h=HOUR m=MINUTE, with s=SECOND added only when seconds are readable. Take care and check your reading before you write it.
h=7 m=59
